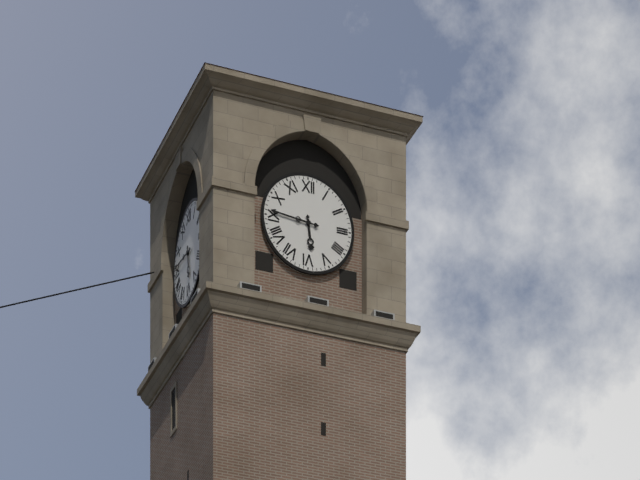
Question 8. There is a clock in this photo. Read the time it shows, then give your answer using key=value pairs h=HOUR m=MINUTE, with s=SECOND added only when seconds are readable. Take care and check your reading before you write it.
h=5 m=46
